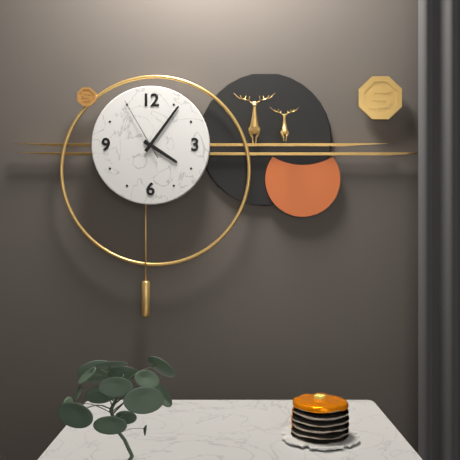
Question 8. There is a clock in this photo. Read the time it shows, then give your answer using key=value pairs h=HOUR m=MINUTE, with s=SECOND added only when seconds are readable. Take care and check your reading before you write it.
h=4 m=6 s=55
